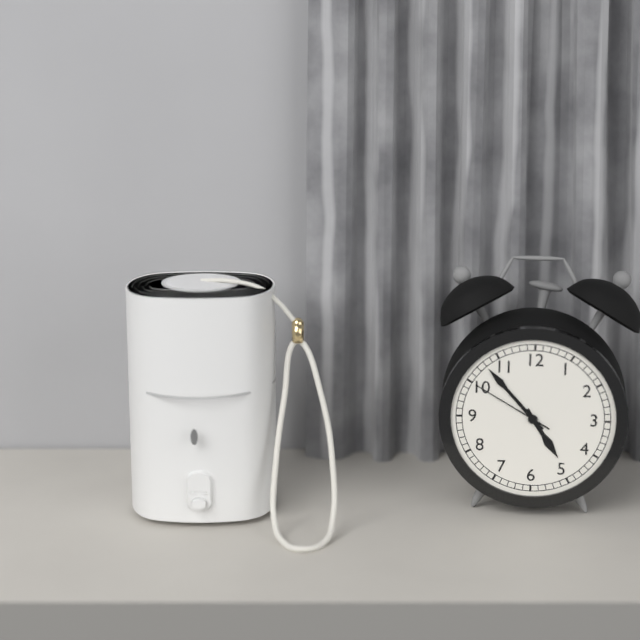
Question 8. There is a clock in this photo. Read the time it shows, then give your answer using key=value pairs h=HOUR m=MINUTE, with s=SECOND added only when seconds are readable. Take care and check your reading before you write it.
h=4 m=53 s=50
